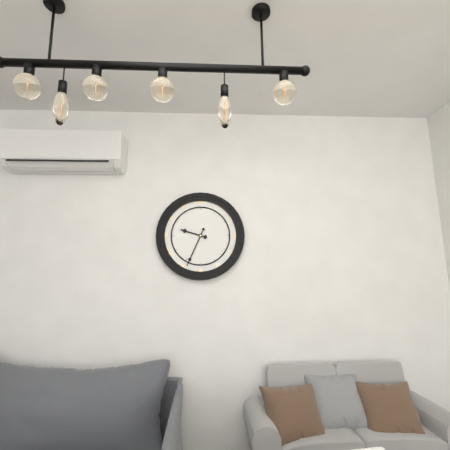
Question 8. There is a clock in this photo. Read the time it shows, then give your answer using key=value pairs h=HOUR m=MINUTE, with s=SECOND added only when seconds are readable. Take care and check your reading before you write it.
h=9 m=34
